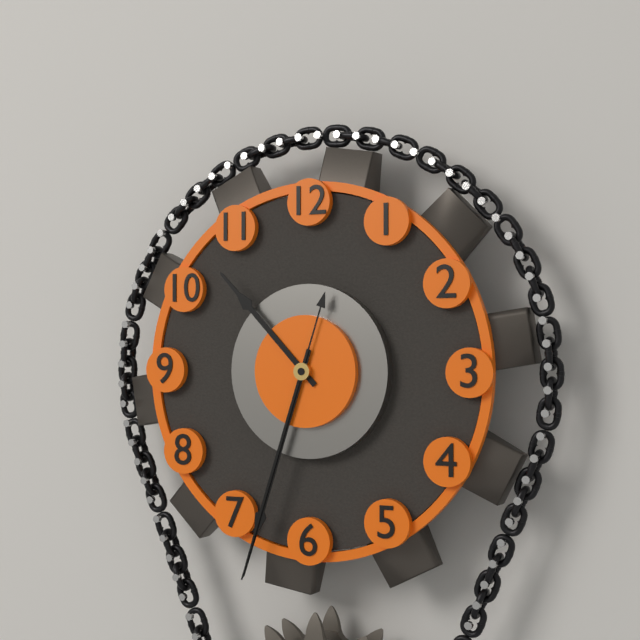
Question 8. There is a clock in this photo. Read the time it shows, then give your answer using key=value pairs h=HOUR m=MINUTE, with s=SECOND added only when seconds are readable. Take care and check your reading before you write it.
h=10 m=33 s=33
